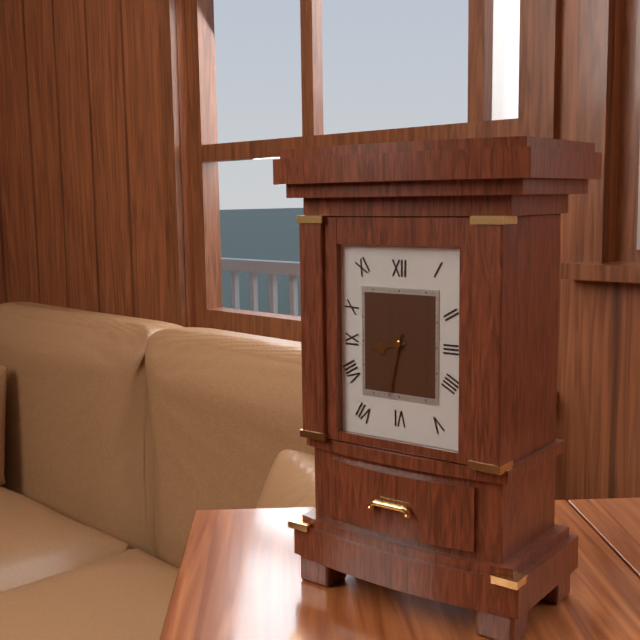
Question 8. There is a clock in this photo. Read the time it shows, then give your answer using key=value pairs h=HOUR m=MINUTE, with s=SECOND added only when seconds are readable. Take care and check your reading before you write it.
h=8 m=32
